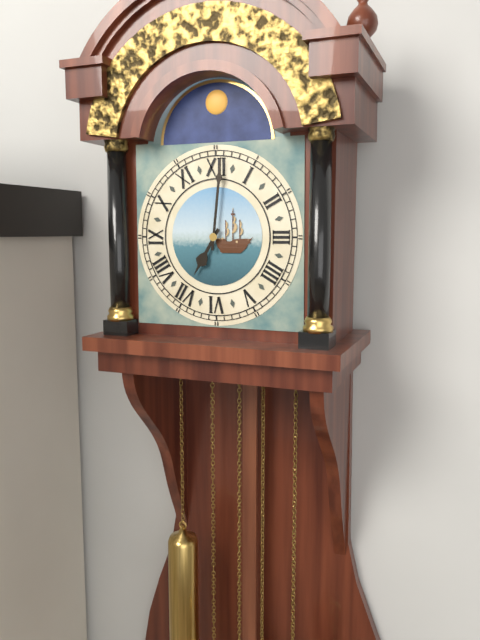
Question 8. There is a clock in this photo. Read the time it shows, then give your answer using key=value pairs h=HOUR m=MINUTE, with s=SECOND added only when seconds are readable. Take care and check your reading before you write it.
h=7 m=1
